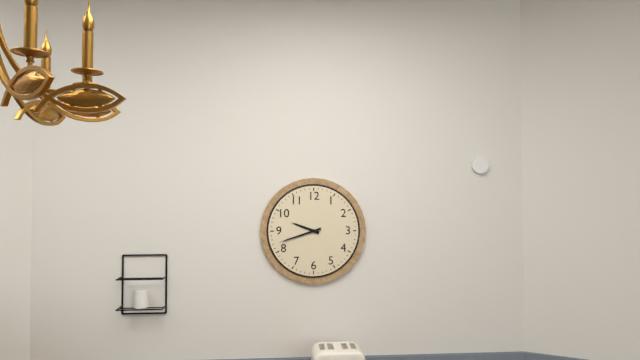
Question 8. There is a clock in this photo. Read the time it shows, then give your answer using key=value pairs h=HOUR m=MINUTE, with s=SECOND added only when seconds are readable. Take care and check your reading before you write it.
h=9 m=42
